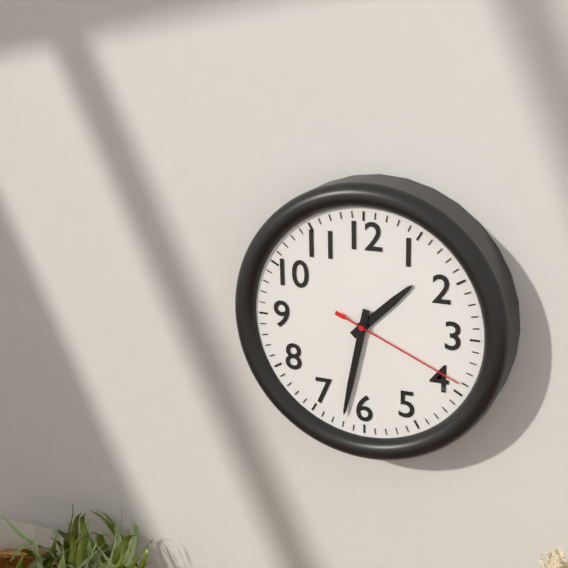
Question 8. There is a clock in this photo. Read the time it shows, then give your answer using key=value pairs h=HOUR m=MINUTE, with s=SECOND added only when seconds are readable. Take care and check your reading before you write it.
h=1 m=32 s=19
